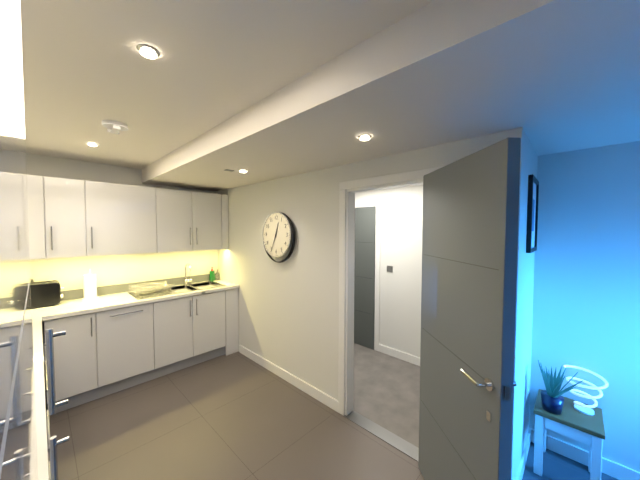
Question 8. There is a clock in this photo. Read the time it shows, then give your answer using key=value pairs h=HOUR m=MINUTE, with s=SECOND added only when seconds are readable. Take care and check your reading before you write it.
h=12 m=34
